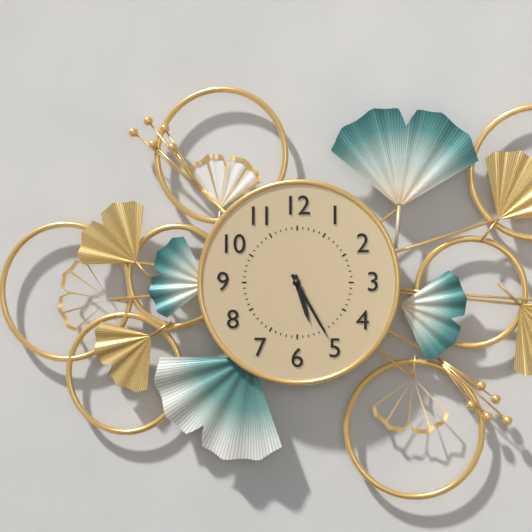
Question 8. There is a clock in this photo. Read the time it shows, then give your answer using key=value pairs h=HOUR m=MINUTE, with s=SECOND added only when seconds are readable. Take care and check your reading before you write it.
h=5 m=25
